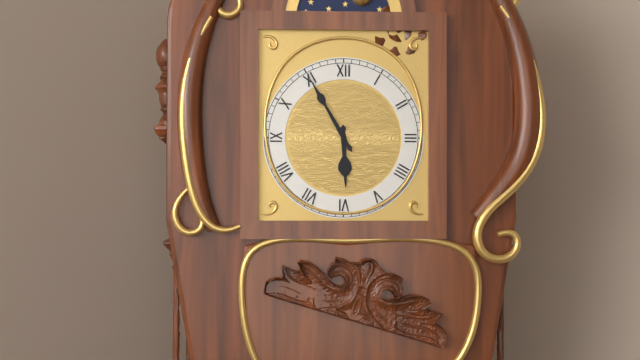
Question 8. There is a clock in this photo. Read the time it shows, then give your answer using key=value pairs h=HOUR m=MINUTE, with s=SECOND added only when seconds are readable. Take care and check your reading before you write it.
h=5 m=55
